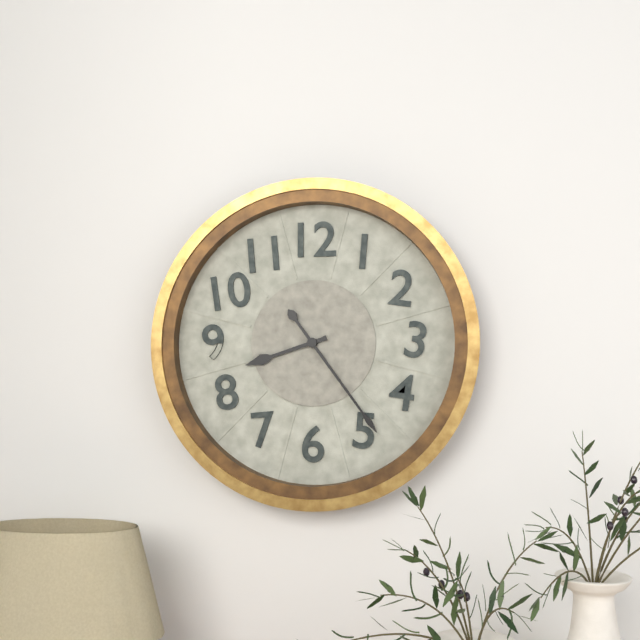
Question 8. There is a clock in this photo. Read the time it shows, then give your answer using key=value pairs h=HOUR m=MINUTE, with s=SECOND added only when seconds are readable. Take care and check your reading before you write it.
h=8 m=24
